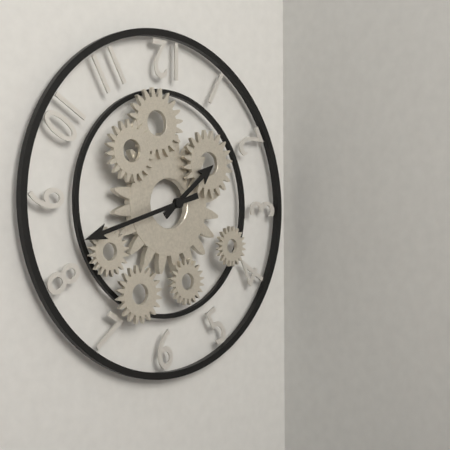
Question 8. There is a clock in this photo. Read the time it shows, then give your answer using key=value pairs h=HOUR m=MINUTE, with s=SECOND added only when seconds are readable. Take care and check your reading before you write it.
h=1 m=42
